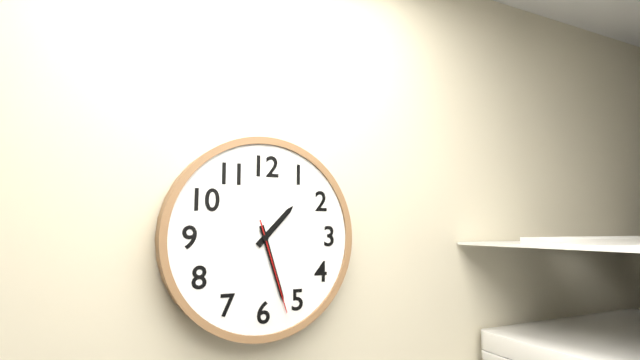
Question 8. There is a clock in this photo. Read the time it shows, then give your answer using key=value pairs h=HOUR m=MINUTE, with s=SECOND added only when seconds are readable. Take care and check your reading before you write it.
h=1 m=27 s=27
